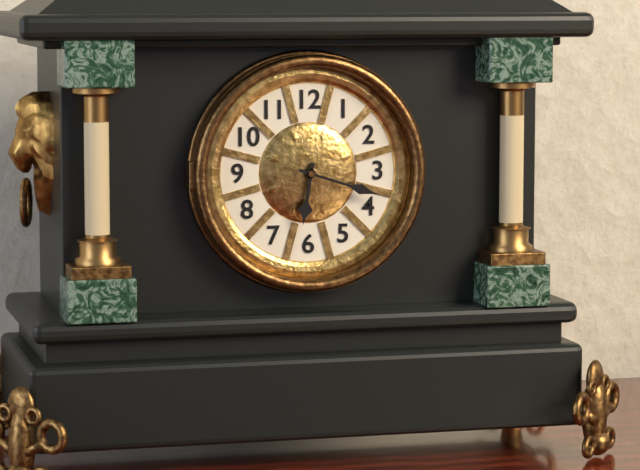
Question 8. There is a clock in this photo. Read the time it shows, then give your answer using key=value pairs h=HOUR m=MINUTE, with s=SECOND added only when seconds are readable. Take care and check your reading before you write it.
h=6 m=18
